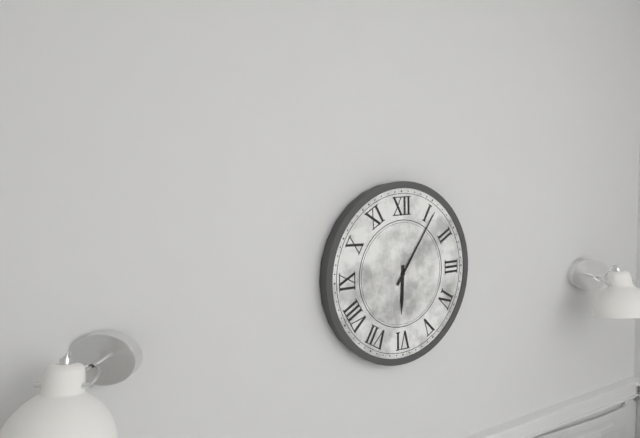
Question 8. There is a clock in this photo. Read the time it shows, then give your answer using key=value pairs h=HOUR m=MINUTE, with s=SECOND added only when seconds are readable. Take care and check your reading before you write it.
h=6 m=6
